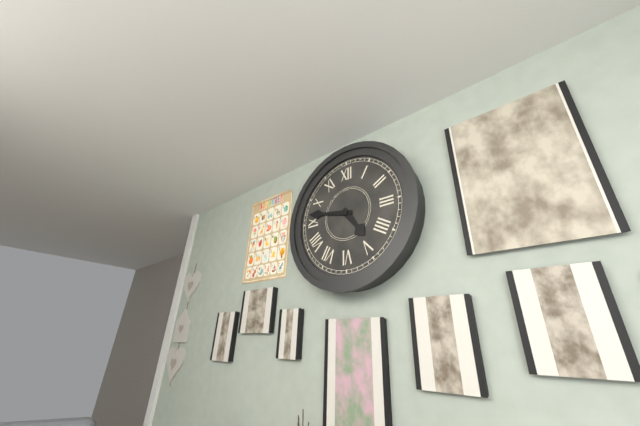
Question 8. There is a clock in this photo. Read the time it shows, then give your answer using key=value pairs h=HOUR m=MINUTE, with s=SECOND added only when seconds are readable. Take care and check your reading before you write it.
h=4 m=47
